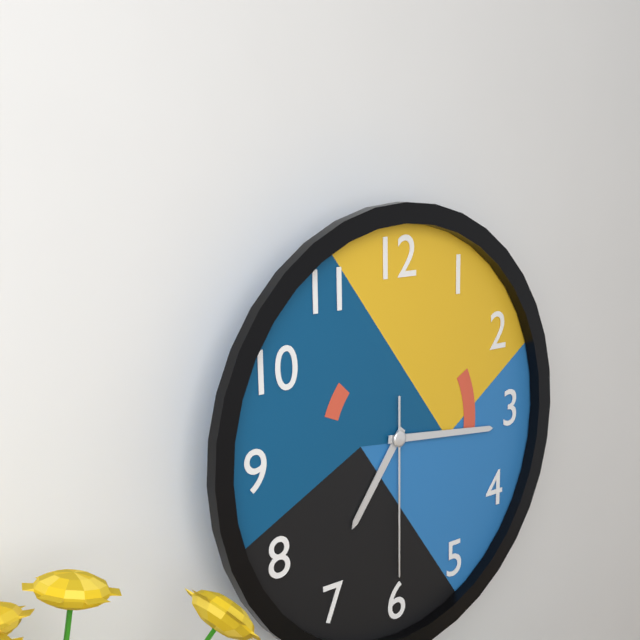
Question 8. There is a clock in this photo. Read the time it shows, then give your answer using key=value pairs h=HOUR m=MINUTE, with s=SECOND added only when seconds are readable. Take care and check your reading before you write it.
h=7 m=16 s=30
